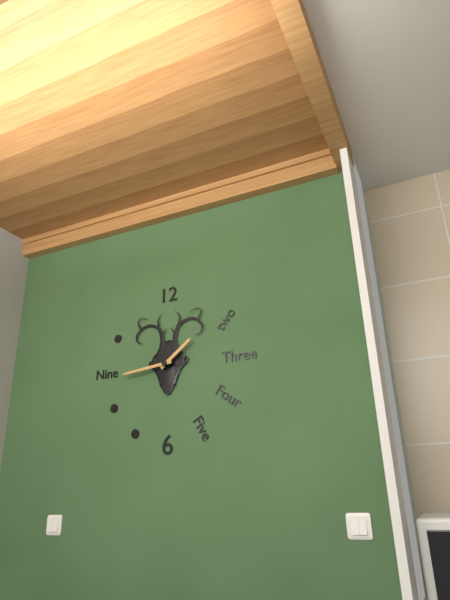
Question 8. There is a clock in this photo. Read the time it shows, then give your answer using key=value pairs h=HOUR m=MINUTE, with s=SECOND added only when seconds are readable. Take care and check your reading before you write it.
h=1 m=44
